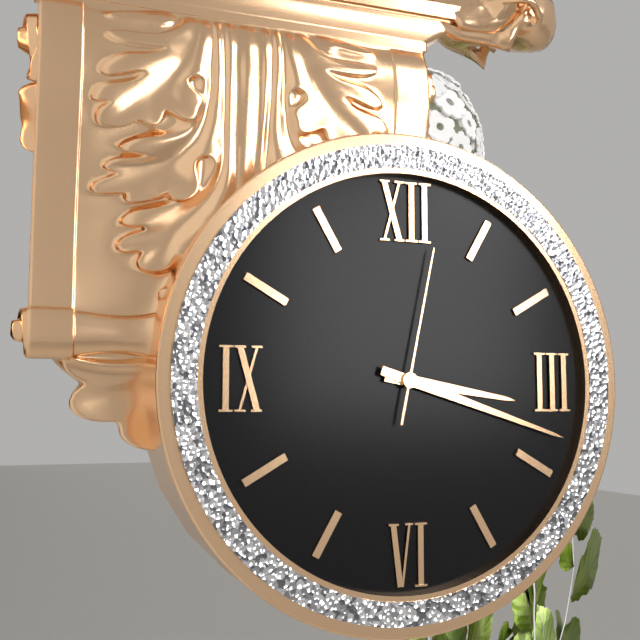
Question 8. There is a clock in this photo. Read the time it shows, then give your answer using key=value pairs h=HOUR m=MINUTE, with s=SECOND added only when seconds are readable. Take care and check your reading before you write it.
h=3 m=18 s=2
